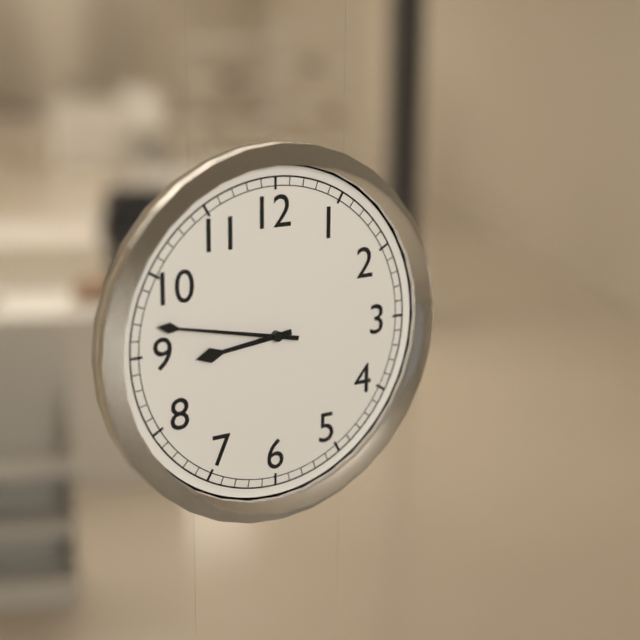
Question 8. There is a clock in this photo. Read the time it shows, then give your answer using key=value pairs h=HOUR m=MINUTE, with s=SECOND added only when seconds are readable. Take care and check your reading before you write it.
h=8 m=47
